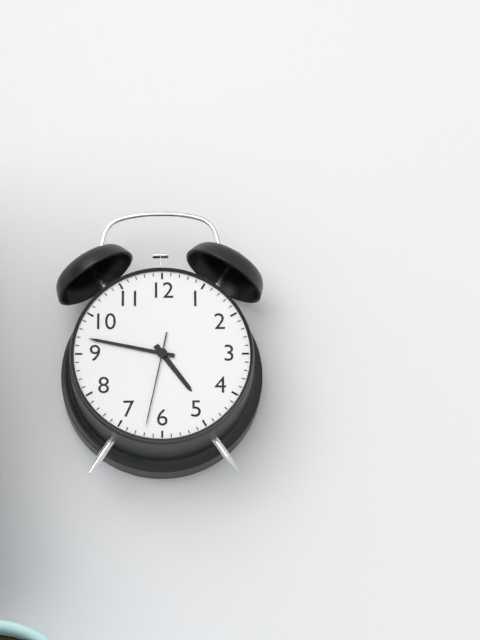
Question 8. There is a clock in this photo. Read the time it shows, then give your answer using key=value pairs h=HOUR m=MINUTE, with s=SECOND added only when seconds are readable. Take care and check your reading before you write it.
h=4 m=47 s=32
